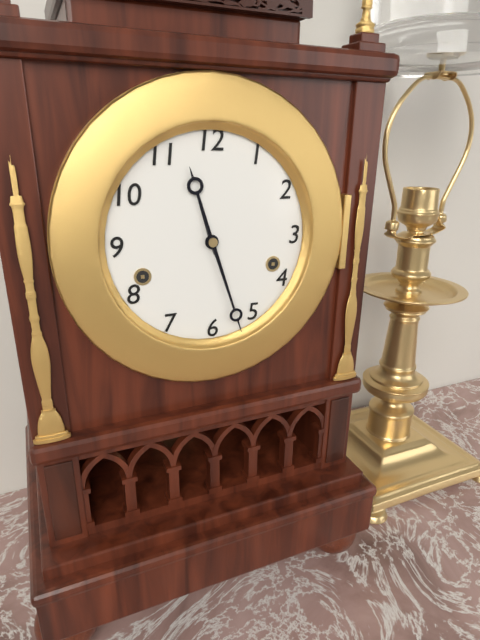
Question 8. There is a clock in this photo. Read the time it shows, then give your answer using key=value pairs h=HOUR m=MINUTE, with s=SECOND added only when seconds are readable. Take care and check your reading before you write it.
h=11 m=27
